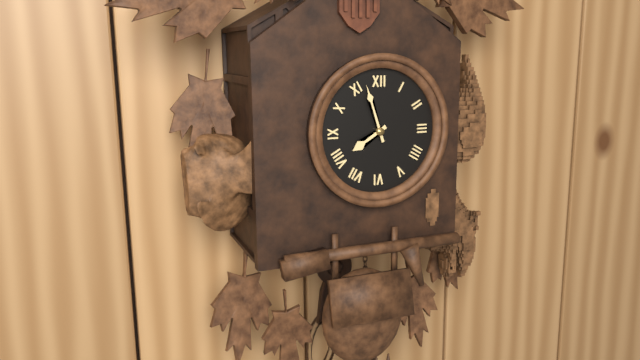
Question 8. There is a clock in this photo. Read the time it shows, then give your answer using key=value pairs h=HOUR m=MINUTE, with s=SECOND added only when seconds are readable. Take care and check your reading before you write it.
h=7 m=57
